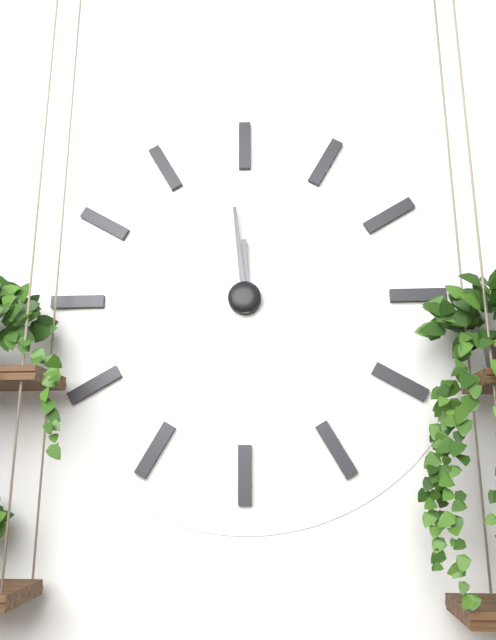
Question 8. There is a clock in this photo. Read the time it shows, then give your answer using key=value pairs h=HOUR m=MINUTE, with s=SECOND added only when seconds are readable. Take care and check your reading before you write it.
h=11 m=59
